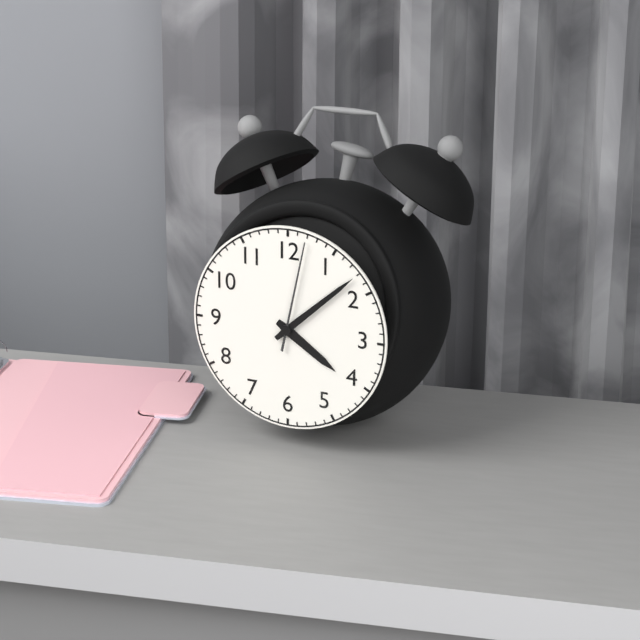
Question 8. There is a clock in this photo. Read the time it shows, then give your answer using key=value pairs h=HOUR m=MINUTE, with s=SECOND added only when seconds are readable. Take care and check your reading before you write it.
h=4 m=8 s=2
